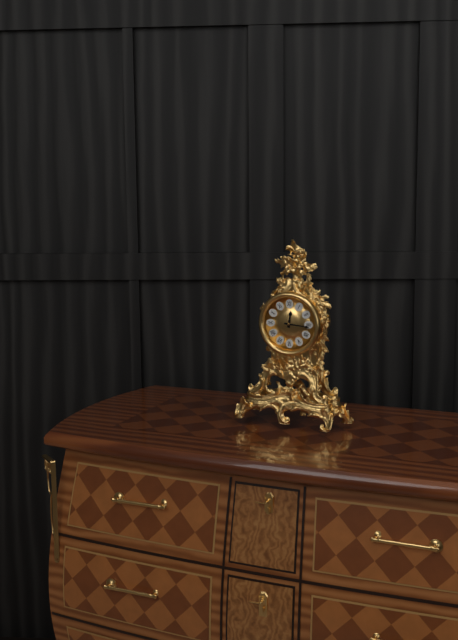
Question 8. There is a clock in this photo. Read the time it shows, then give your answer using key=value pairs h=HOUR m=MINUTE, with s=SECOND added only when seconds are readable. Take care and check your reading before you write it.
h=12 m=16
